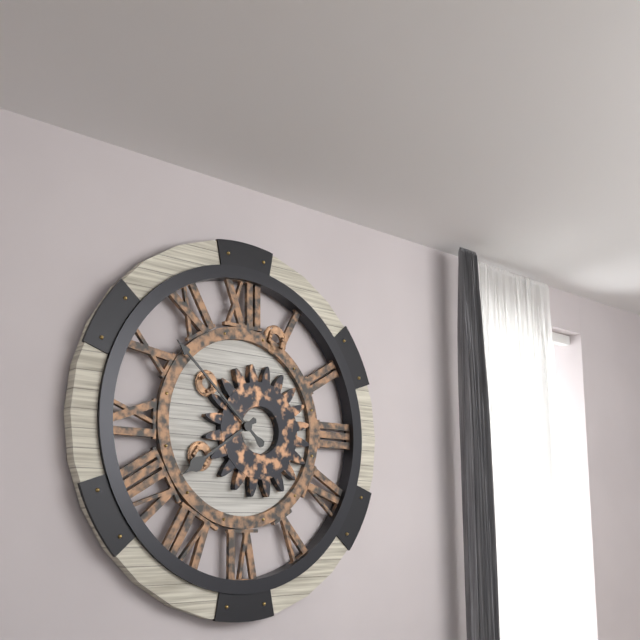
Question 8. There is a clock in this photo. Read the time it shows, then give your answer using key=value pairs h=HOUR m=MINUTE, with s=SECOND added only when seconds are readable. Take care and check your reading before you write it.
h=7 m=52
